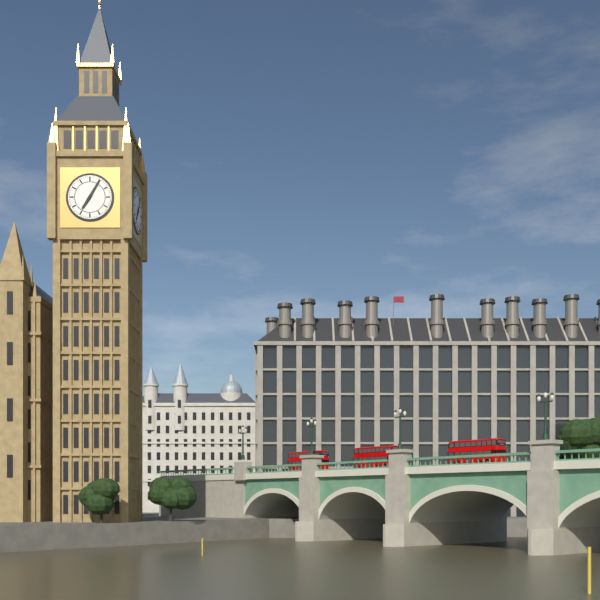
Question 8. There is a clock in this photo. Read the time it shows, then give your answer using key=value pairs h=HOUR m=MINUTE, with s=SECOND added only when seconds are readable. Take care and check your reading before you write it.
h=7 m=5
